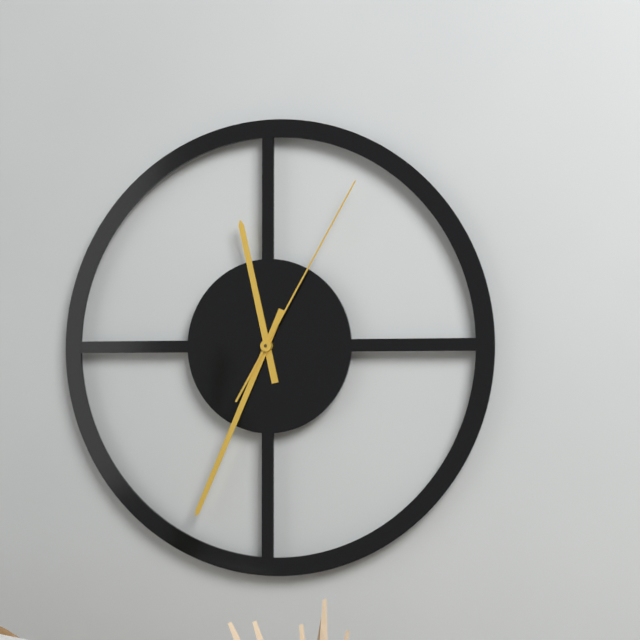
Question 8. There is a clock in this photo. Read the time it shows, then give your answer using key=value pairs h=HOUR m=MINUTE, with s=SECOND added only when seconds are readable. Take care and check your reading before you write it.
h=11 m=34 s=5
